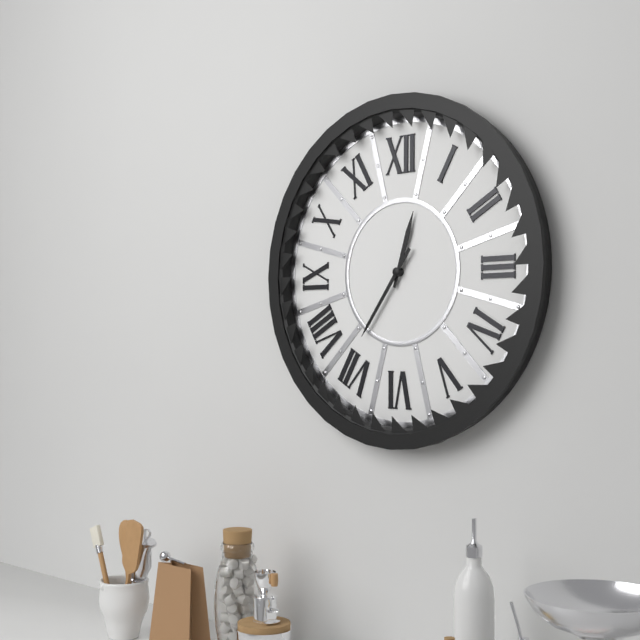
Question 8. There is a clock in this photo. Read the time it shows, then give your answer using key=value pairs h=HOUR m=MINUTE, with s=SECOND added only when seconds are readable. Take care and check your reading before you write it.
h=12 m=36
